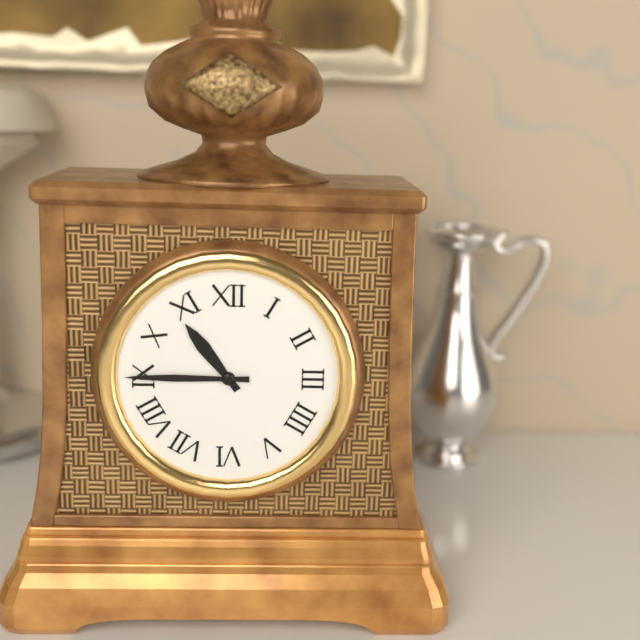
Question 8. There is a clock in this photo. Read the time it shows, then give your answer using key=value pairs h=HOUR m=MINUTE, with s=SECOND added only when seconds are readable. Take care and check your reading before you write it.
h=10 m=45
